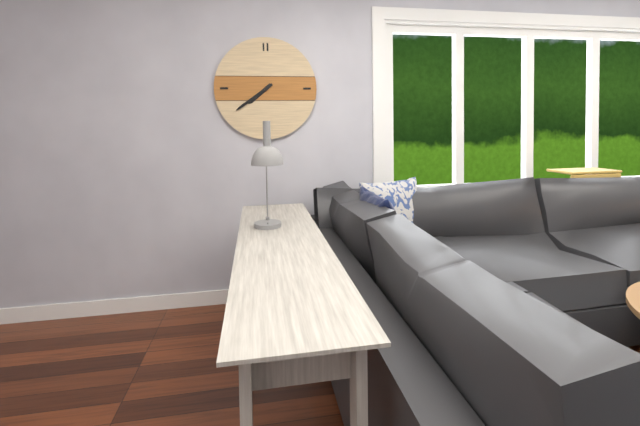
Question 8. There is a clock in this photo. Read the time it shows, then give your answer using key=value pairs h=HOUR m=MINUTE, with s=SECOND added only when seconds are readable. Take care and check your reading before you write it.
h=7 m=39
